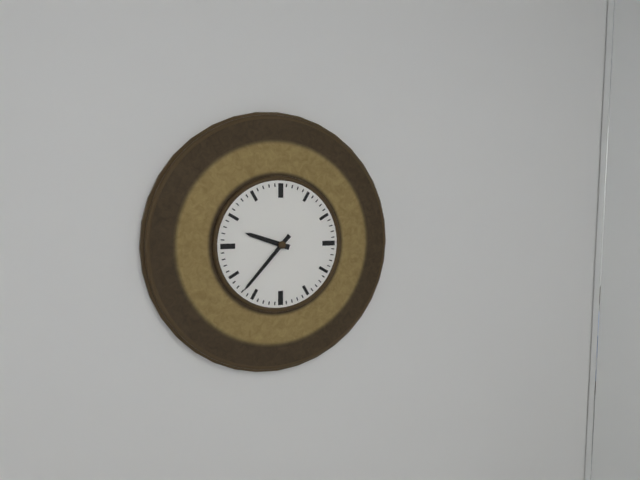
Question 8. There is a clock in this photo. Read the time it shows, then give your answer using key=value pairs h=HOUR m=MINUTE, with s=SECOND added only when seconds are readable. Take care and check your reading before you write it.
h=9 m=37
